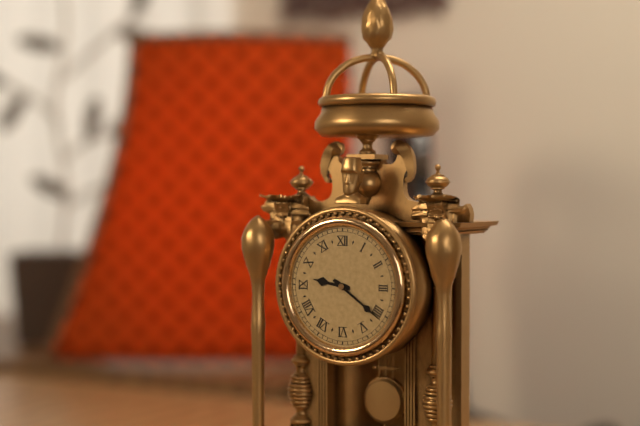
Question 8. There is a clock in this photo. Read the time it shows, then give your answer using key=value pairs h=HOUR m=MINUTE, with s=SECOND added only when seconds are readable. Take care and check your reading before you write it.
h=9 m=21
